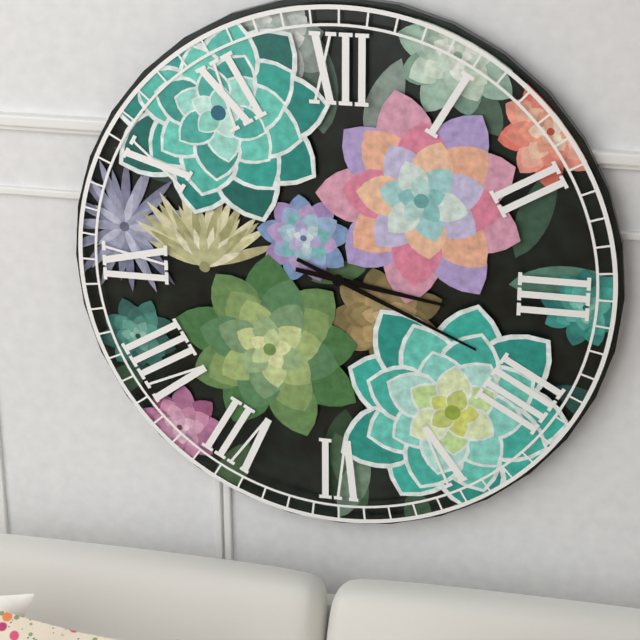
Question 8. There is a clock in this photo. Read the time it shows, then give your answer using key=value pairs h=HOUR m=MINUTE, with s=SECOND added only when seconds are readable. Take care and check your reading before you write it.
h=3 m=19
